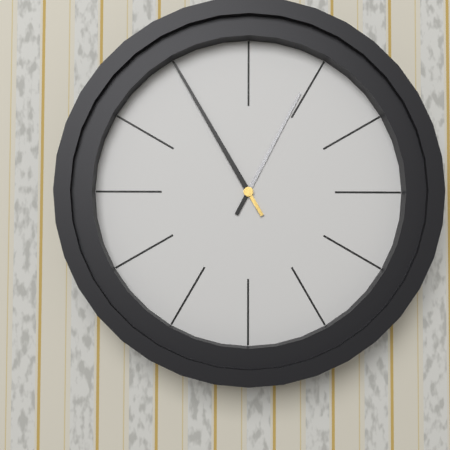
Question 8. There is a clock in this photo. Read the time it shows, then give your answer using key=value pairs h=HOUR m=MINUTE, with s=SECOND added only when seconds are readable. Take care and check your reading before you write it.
h=12 m=55
